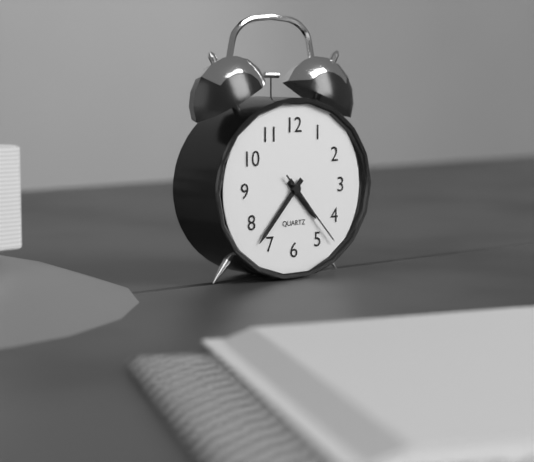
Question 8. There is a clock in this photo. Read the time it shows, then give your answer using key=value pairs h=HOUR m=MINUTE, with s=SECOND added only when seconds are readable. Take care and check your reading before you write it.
h=4 m=37 s=23
